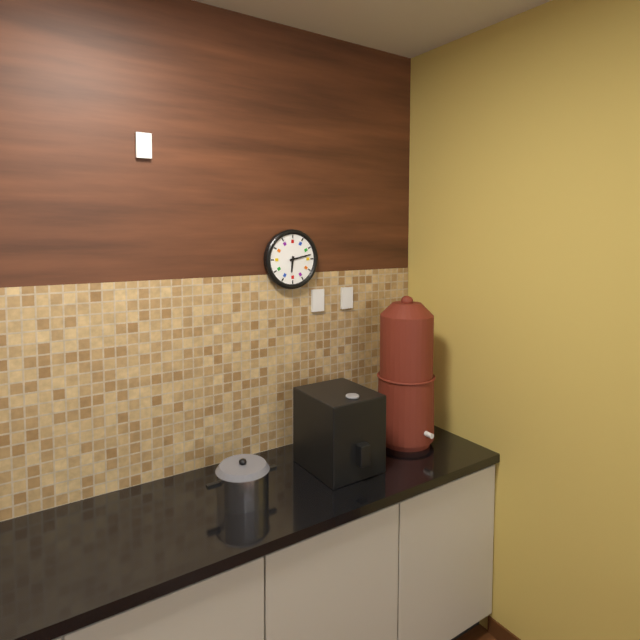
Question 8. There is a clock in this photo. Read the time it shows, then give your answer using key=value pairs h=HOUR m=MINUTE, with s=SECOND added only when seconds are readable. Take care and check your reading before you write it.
h=6 m=13
